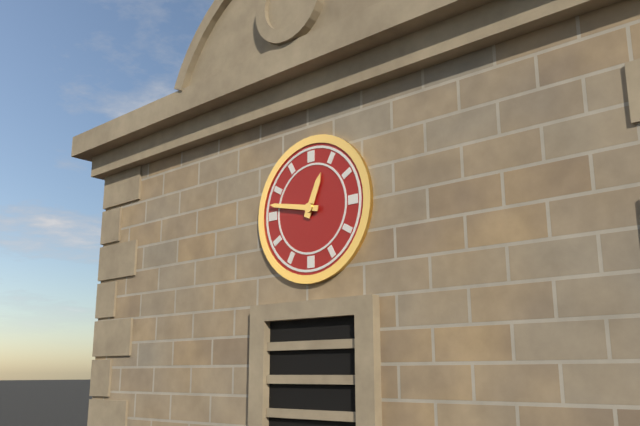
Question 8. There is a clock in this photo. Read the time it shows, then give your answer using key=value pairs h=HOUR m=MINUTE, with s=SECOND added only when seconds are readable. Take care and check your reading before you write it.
h=12 m=47
